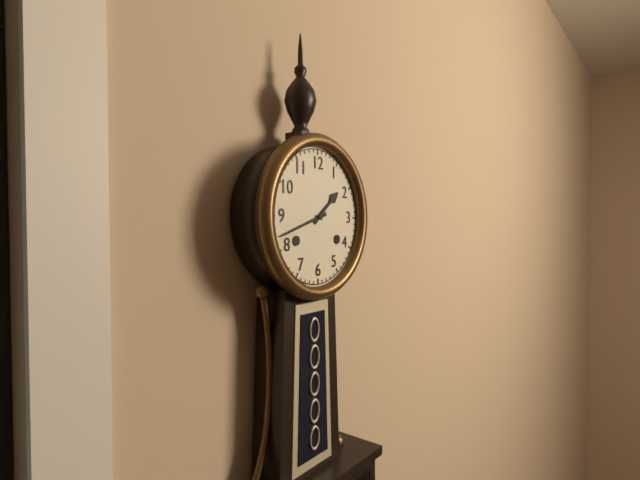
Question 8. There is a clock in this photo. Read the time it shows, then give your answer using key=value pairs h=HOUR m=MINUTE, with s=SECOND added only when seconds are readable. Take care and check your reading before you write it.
h=1 m=42
